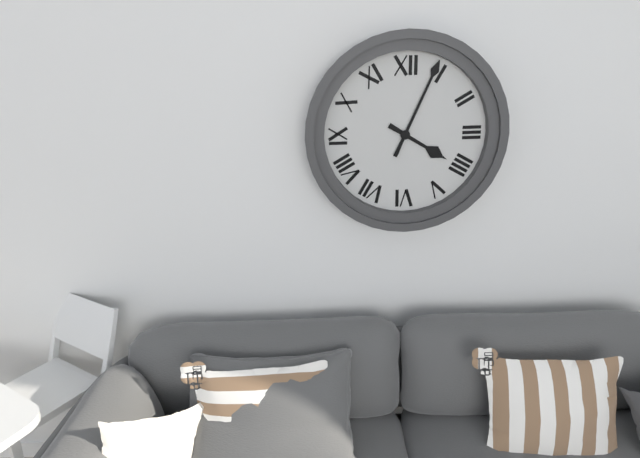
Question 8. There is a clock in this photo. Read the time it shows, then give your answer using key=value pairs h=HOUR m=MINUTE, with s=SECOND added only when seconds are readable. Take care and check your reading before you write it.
h=4 m=4
